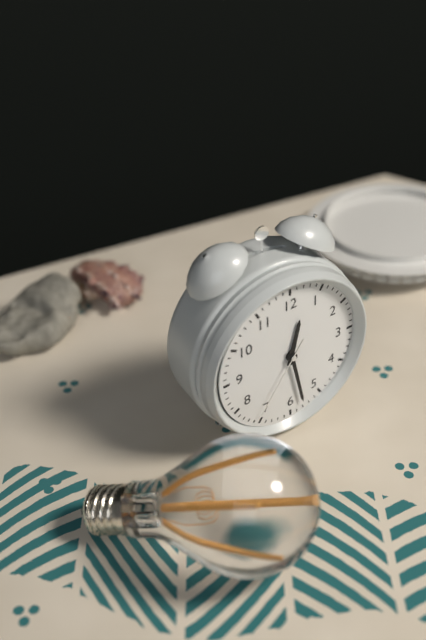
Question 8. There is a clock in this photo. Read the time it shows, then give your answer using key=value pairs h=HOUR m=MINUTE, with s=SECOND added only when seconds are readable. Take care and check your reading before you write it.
h=12 m=28 s=36
